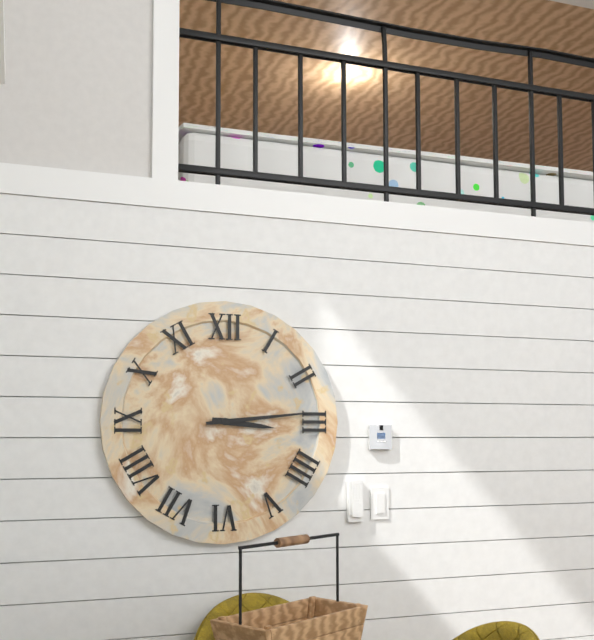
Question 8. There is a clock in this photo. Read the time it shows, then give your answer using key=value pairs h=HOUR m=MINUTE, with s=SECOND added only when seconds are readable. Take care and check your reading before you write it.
h=3 m=14
